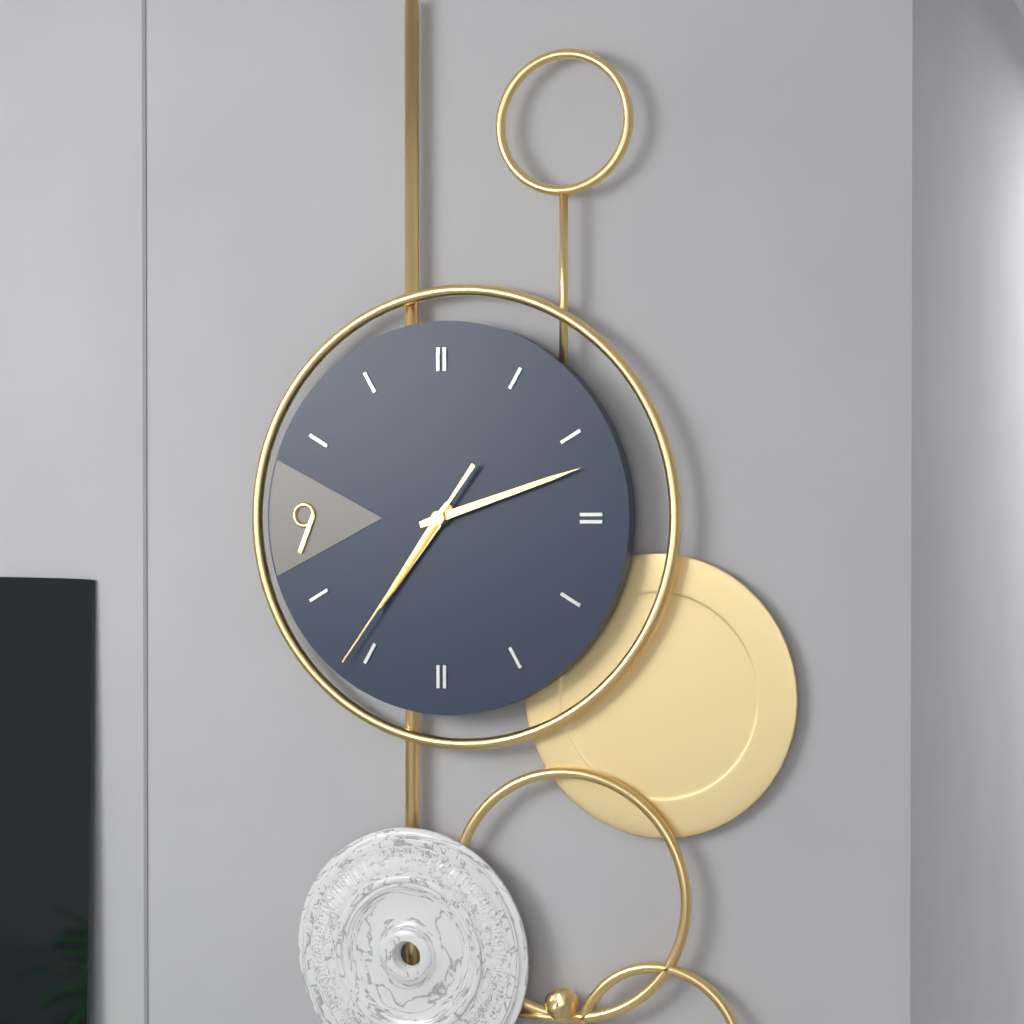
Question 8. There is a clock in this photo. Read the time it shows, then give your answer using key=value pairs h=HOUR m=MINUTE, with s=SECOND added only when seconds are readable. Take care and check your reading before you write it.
h=7 m=12 s=36
